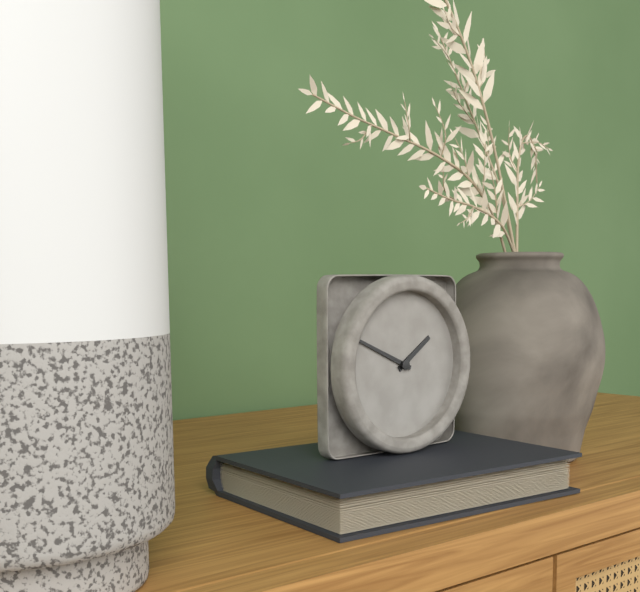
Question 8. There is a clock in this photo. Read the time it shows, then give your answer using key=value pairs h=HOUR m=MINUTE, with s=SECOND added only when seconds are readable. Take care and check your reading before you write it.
h=1 m=49
